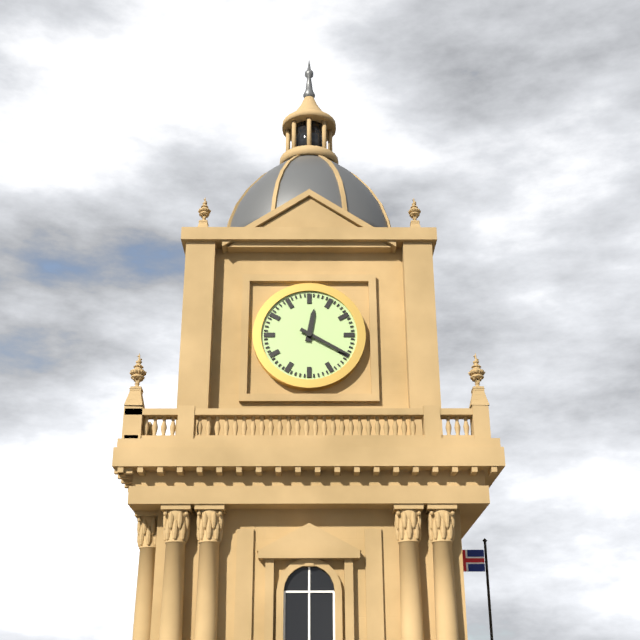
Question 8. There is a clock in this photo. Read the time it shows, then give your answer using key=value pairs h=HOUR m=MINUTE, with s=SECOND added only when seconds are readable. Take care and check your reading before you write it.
h=12 m=20
